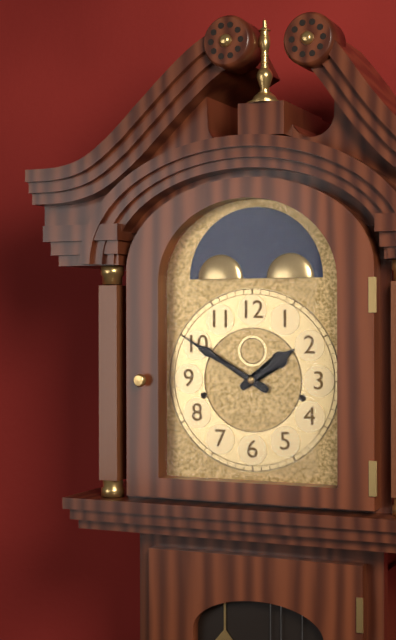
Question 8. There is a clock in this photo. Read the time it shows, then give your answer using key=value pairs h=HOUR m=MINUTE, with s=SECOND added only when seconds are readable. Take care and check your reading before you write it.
h=1 m=50
